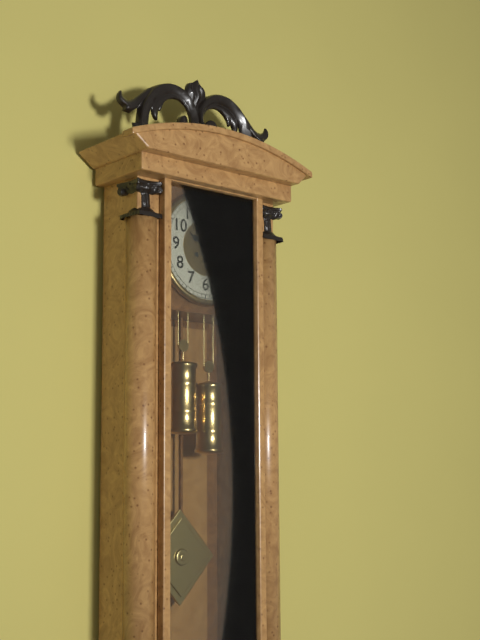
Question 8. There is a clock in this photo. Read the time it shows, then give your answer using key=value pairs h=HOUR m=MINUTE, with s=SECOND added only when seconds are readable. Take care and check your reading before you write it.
h=10 m=5
